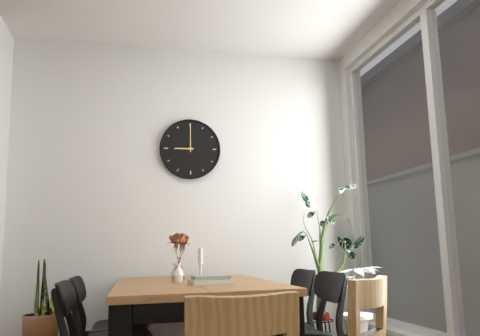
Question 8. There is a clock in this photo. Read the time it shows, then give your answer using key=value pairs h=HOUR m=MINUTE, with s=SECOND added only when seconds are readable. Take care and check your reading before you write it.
h=9 m=0
